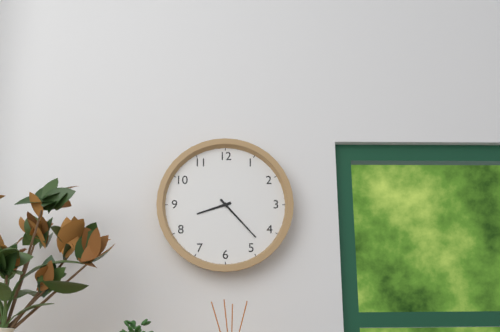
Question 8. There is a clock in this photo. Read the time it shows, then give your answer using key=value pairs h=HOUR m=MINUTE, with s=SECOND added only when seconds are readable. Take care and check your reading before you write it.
h=8 m=23
